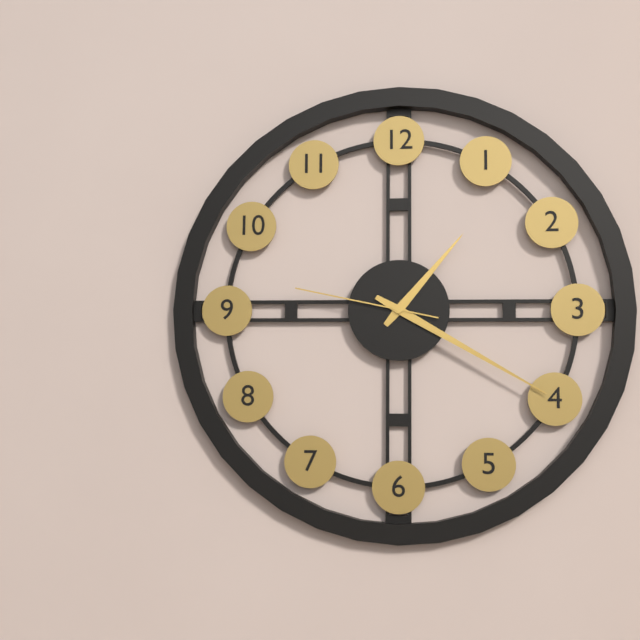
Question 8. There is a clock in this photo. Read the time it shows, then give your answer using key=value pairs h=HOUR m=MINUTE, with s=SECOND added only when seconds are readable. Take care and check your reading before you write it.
h=1 m=20 s=47
